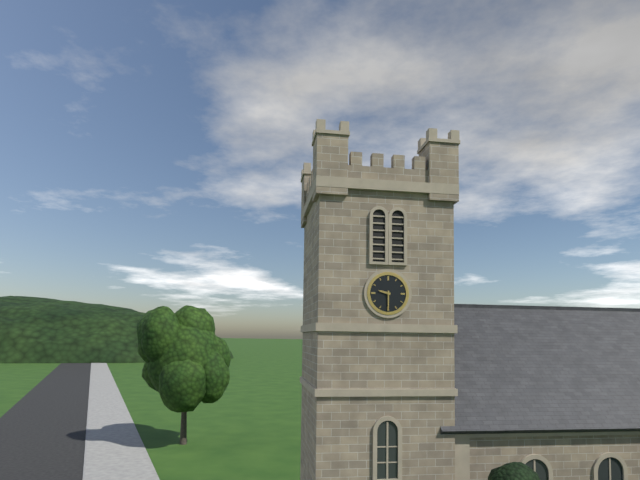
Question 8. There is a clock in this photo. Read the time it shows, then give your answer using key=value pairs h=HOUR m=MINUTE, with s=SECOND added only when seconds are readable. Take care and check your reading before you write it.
h=9 m=30
